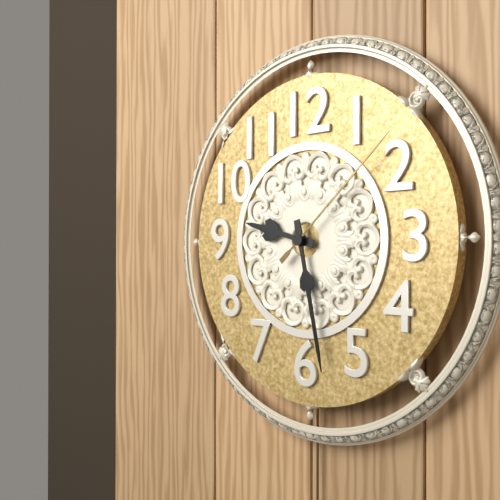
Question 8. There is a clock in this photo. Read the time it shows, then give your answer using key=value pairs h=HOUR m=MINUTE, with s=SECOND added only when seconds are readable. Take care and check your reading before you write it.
h=9 m=28 s=8
